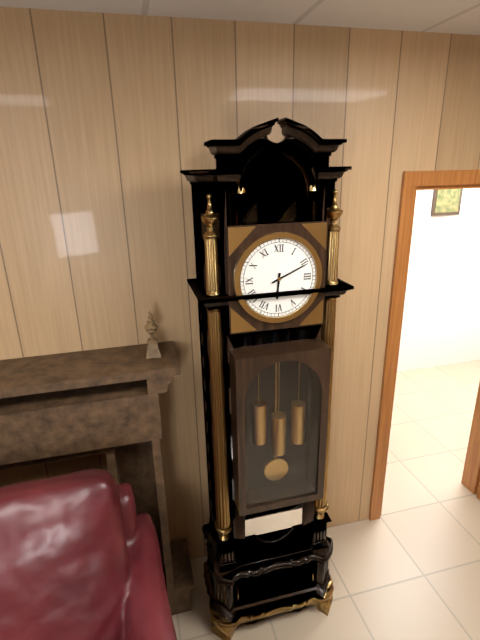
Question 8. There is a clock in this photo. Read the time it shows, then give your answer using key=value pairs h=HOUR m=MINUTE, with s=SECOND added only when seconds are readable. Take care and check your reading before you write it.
h=6 m=11
